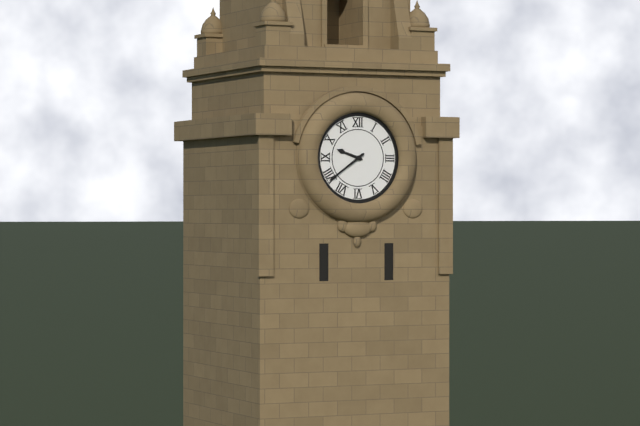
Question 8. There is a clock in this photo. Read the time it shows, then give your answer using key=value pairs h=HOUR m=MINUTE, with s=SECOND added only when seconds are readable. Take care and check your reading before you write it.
h=9 m=39
